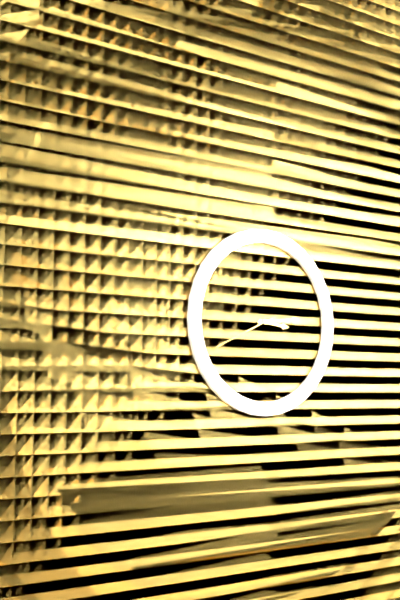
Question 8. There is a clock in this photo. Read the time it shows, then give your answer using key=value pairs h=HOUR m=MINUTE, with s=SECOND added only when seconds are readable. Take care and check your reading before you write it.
h=3 m=14 s=41
